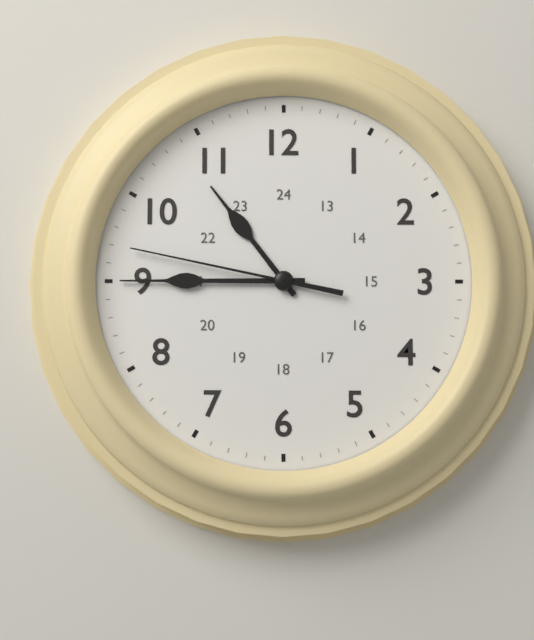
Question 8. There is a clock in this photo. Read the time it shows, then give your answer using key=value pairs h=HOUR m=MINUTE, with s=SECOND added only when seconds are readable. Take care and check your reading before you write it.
h=10 m=45 s=47
